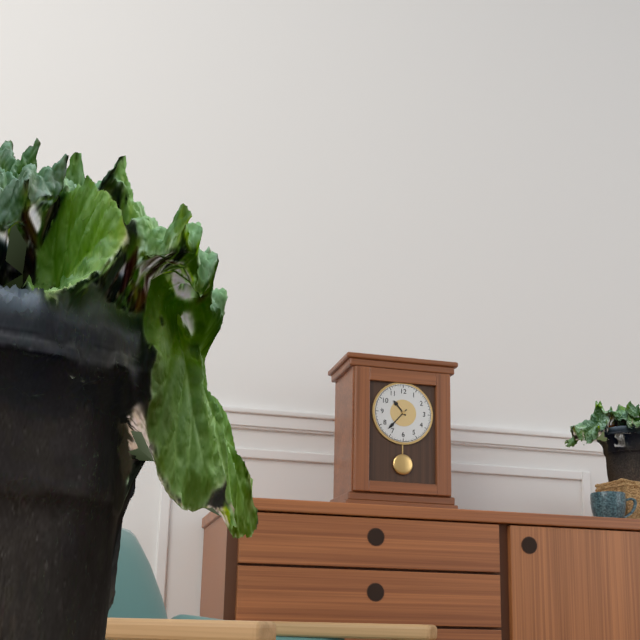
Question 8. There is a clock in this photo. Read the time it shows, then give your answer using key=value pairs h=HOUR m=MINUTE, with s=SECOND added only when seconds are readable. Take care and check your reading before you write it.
h=10 m=37
